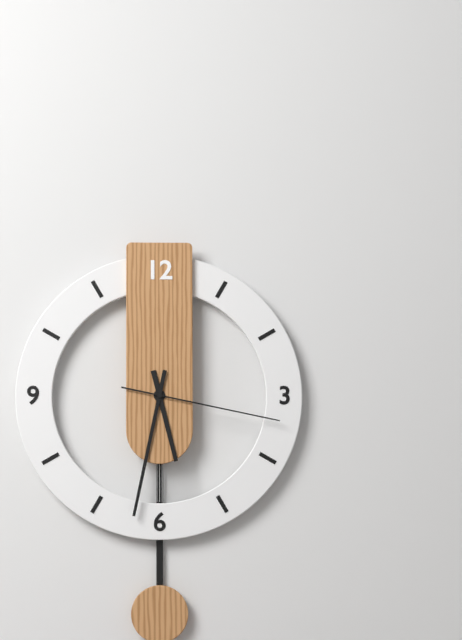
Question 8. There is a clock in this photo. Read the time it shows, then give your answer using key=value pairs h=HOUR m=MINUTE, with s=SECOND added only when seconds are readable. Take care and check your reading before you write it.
h=5 m=32 s=17
